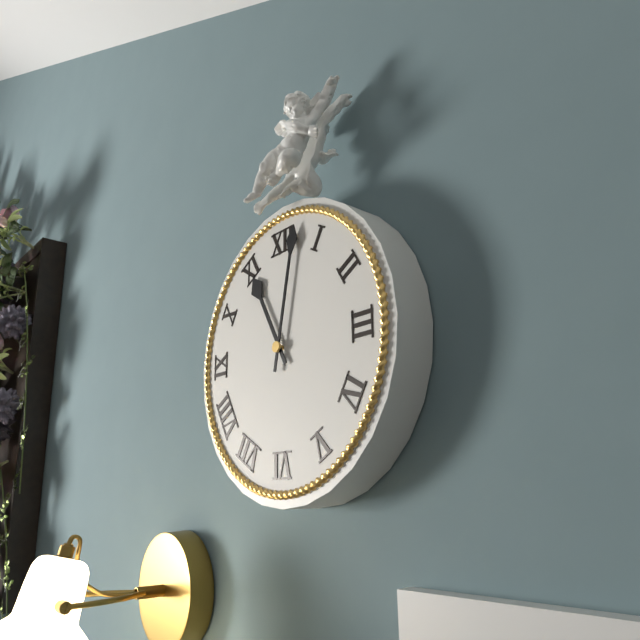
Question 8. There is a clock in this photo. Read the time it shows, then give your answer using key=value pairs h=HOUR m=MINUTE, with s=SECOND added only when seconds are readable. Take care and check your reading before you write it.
h=11 m=2
